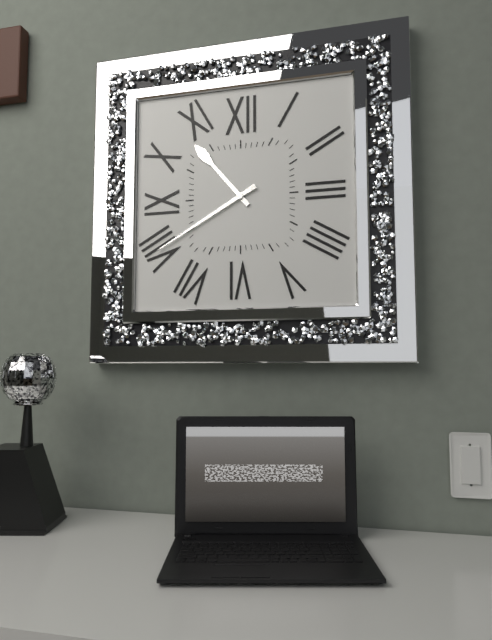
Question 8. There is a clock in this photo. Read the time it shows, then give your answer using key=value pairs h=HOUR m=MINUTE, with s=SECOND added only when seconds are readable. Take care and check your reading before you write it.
h=10 m=40
